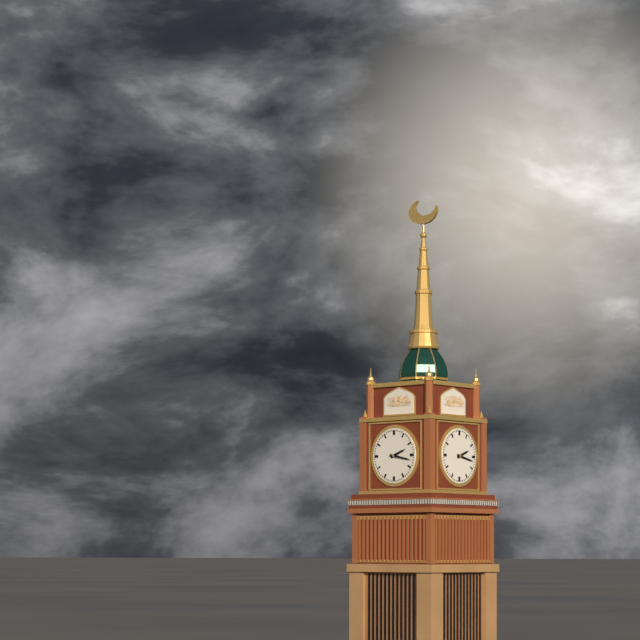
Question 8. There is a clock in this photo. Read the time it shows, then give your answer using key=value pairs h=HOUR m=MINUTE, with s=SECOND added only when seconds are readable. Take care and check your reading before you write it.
h=2 m=17
